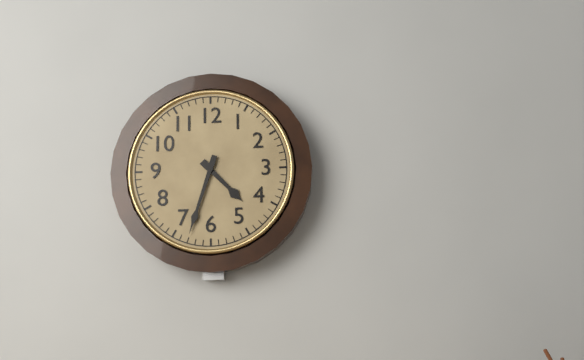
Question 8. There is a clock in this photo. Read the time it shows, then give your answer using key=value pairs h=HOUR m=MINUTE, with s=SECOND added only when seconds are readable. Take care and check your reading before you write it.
h=4 m=33
